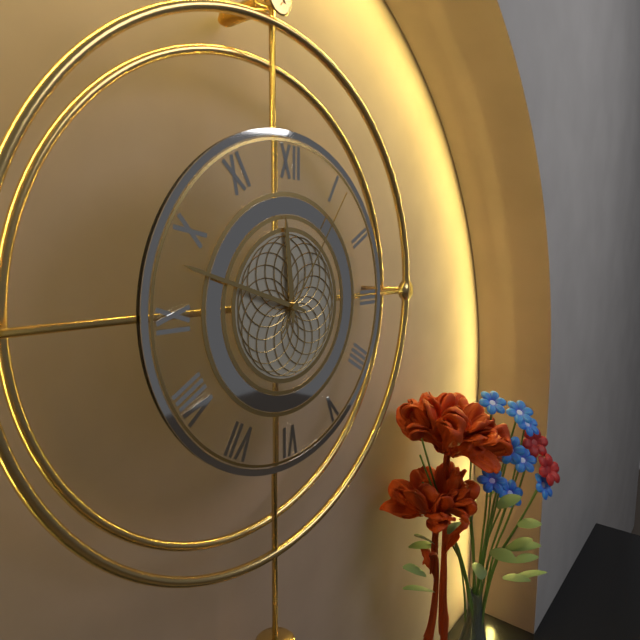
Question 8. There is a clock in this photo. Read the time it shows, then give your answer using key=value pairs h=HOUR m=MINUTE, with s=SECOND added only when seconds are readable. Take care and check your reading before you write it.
h=11 m=48 s=6
